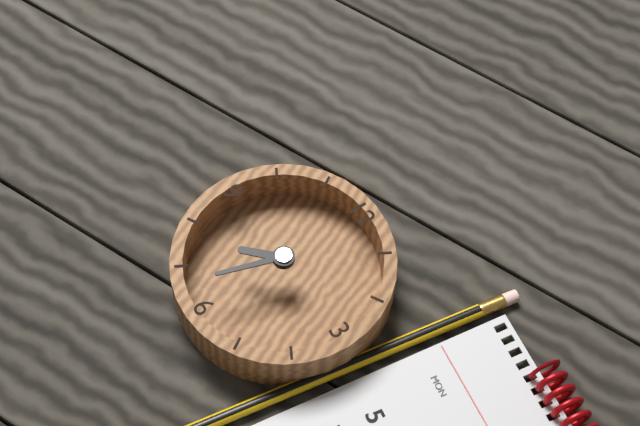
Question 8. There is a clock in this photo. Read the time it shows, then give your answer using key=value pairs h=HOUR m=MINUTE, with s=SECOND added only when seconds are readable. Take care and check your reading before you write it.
h=7 m=33
